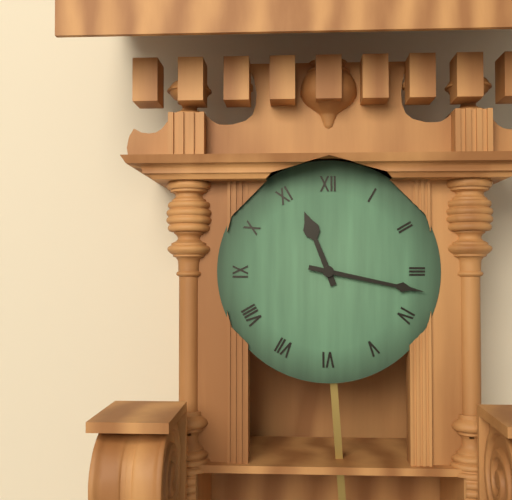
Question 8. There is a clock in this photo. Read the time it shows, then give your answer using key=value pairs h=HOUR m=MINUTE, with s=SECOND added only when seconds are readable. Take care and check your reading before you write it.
h=11 m=17
